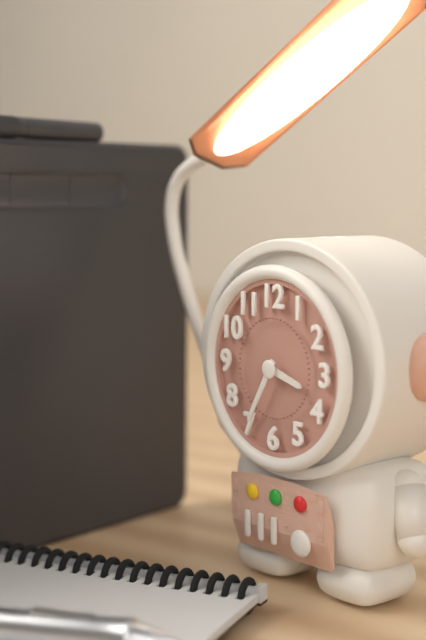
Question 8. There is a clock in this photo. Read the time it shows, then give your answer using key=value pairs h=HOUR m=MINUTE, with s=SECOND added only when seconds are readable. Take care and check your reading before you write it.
h=3 m=35
